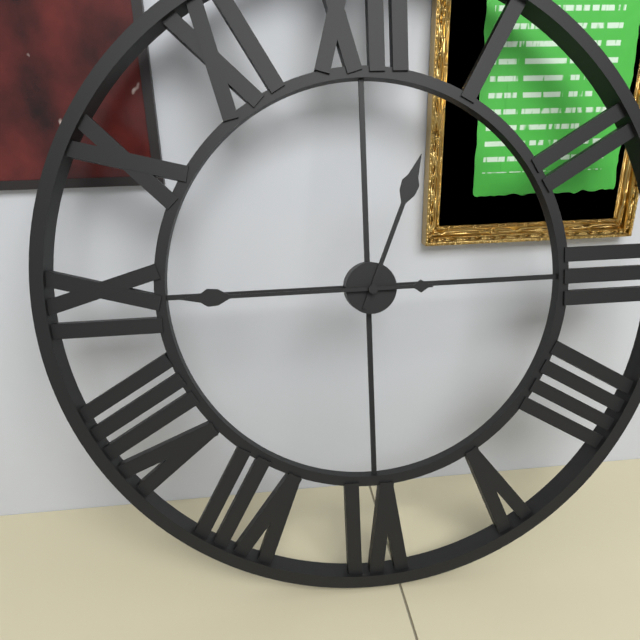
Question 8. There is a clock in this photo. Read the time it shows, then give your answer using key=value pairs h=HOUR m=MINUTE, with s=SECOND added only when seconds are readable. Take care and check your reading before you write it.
h=12 m=45
